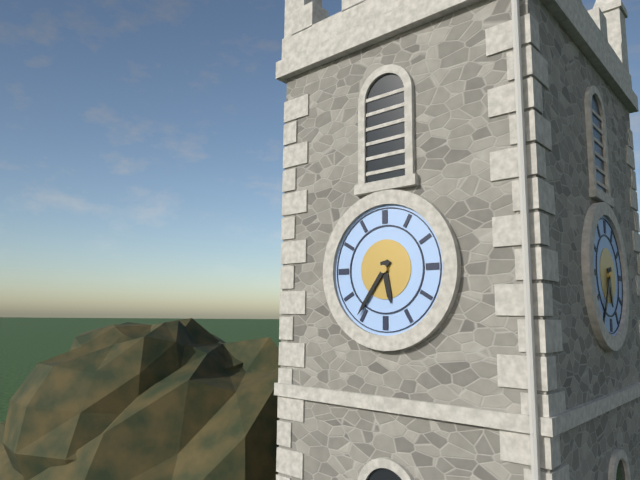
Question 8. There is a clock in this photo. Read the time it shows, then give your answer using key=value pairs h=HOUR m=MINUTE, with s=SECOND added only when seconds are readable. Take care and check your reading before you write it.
h=5 m=36
